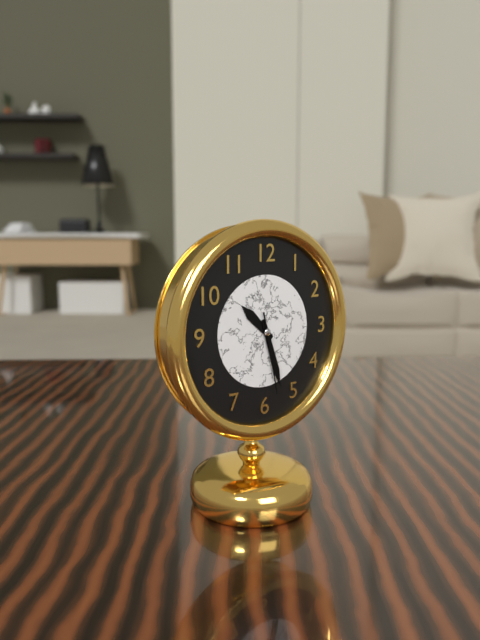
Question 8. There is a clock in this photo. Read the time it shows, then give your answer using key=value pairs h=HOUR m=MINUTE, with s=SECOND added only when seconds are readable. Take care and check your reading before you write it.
h=10 m=27 s=28
